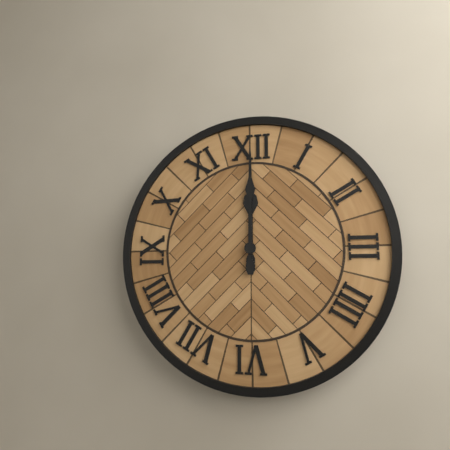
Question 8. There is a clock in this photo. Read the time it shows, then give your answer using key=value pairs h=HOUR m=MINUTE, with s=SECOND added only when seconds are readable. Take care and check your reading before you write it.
h=12 m=0
